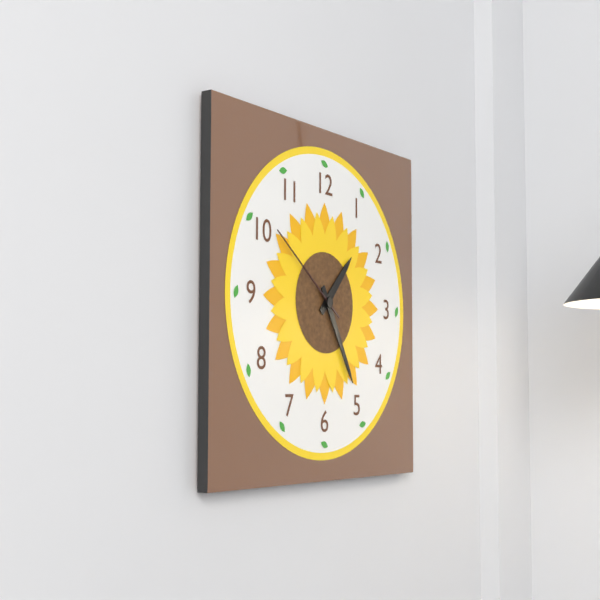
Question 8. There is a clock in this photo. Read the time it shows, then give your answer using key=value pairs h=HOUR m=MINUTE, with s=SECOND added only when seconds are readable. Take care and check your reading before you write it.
h=1 m=25 s=51
